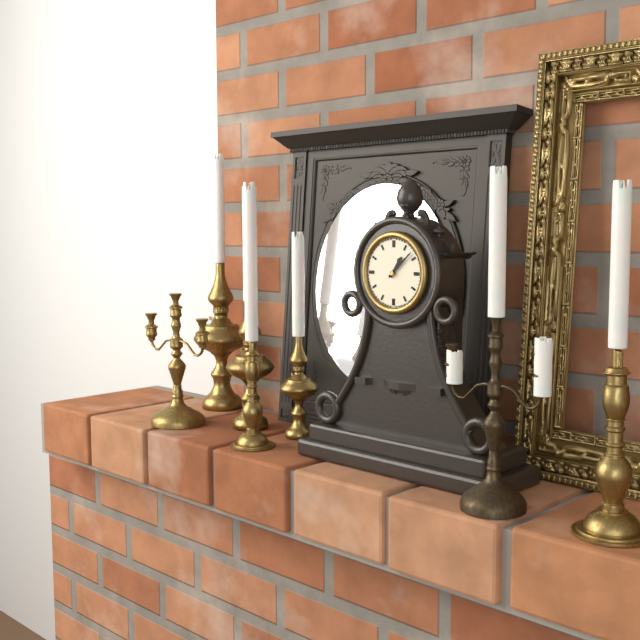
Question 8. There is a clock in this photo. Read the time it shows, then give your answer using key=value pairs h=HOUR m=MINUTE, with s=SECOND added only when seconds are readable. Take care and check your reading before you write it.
h=1 m=8
